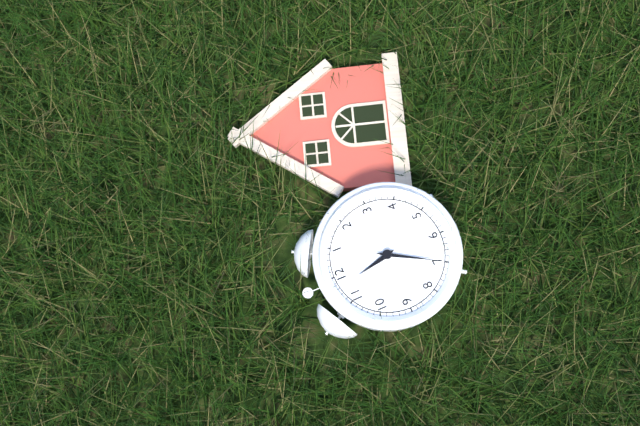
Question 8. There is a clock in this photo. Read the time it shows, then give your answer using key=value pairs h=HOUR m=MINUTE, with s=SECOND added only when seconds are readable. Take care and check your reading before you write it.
h=11 m=35
